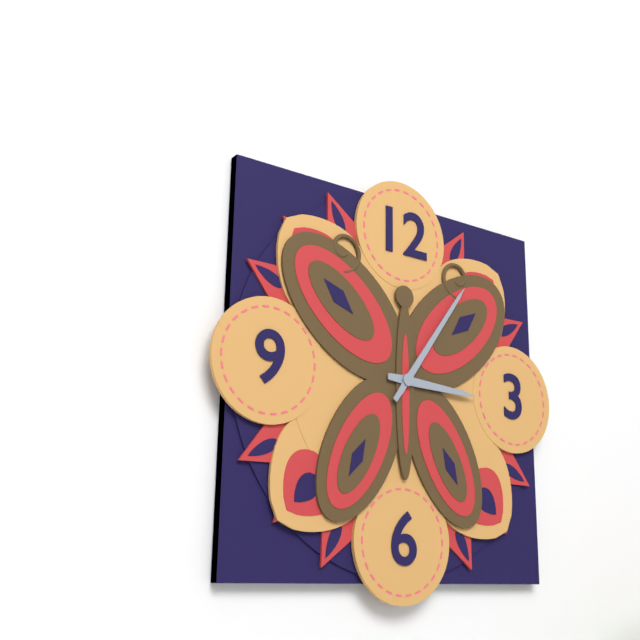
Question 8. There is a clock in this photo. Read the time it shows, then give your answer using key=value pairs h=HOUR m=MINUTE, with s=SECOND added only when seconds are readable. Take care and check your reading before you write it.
h=3 m=6
